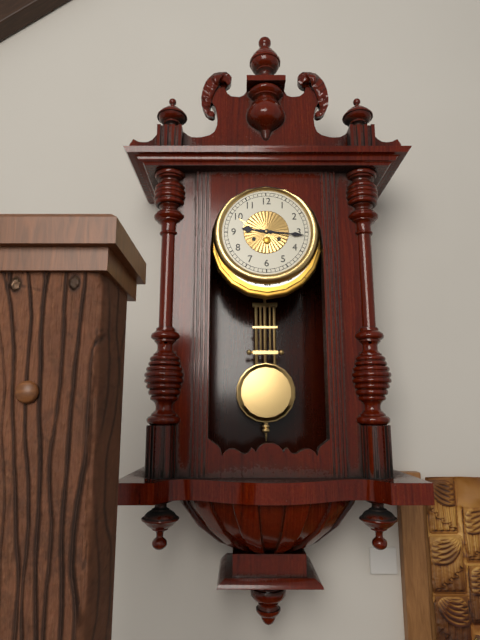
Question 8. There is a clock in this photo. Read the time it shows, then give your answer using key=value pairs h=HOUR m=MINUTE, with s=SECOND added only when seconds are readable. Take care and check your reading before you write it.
h=9 m=16
